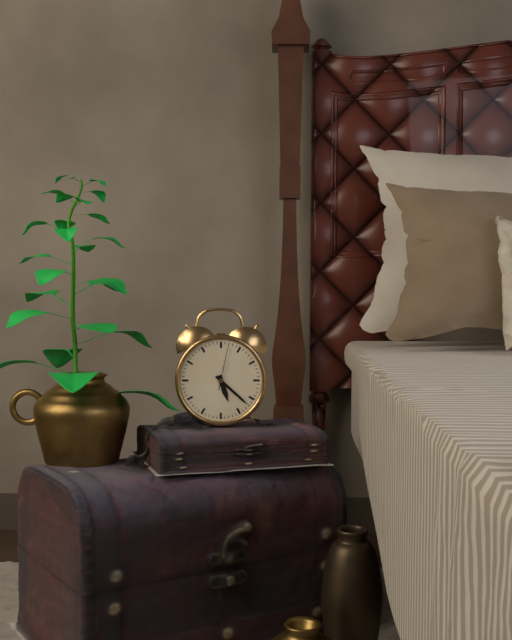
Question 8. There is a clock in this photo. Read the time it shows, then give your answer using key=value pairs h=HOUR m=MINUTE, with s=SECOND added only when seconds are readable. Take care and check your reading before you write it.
h=5 m=22
